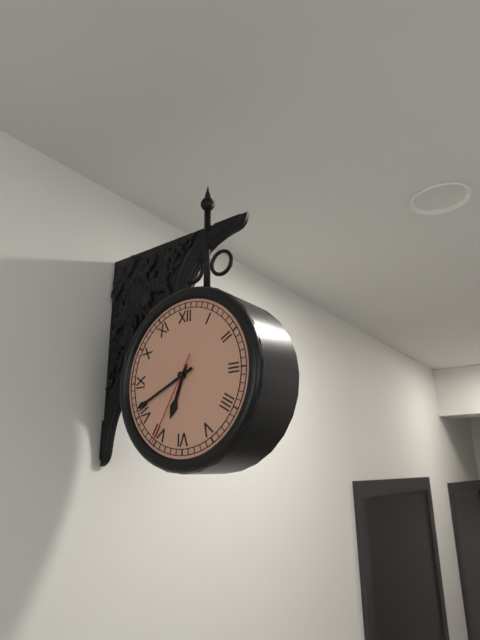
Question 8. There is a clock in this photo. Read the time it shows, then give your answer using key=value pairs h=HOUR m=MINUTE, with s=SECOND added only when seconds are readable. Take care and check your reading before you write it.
h=6 m=41 s=35
